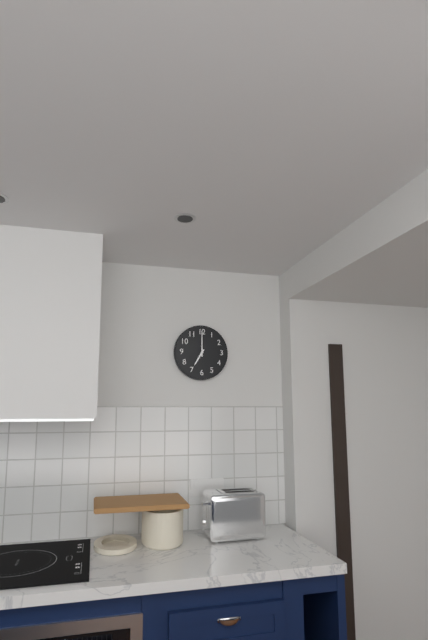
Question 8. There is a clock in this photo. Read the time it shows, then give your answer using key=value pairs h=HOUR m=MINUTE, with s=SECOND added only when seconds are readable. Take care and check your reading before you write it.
h=7 m=0
